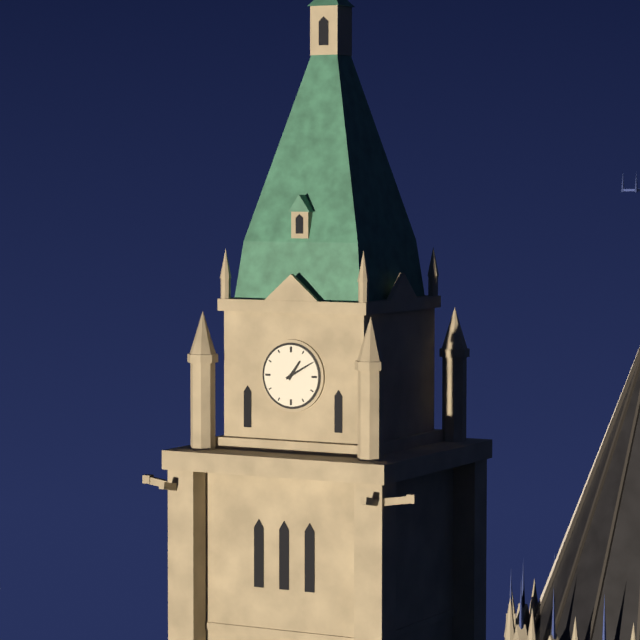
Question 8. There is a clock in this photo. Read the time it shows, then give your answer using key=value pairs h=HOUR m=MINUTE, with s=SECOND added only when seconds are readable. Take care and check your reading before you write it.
h=1 m=10
